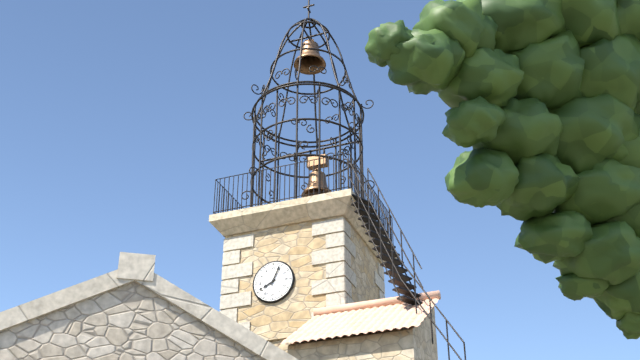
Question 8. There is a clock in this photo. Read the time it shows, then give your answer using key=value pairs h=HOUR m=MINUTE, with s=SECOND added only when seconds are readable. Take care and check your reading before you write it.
h=8 m=4
